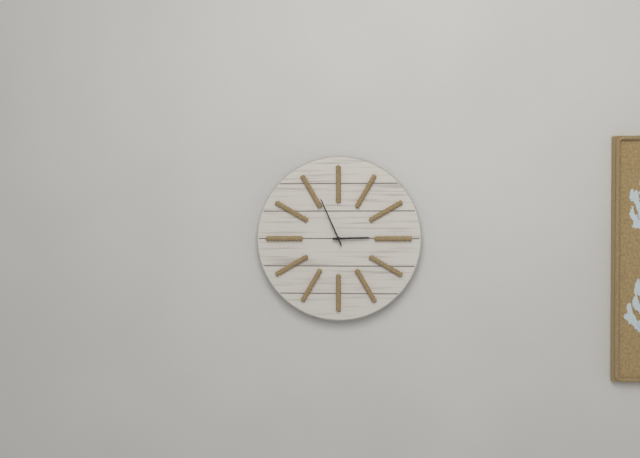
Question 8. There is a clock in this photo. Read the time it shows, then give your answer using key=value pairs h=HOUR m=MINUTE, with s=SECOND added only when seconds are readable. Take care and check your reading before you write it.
h=2 m=56
